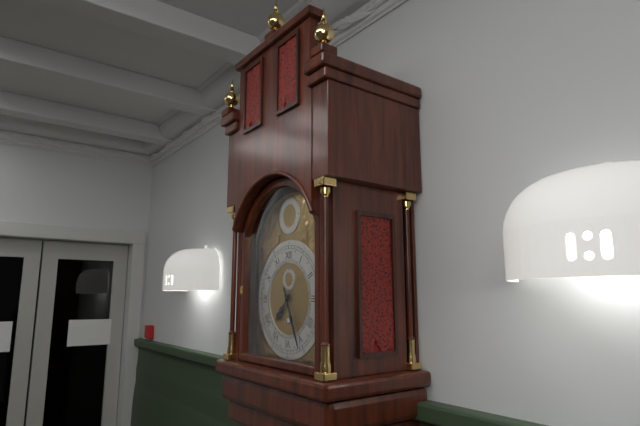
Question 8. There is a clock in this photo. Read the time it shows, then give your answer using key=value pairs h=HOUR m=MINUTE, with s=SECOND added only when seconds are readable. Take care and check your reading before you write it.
h=7 m=26
